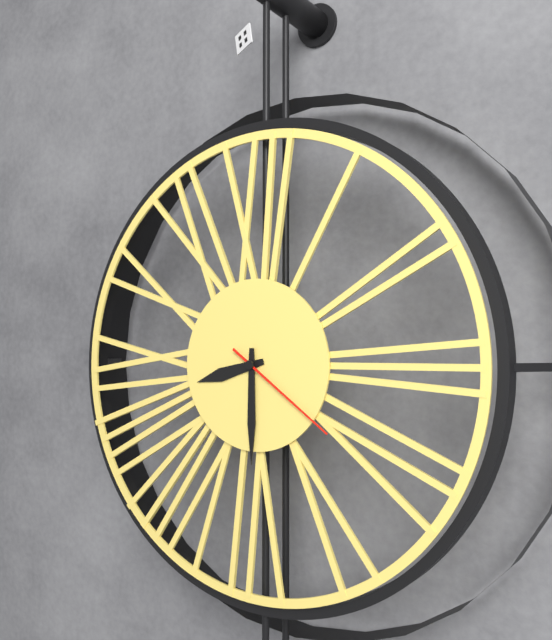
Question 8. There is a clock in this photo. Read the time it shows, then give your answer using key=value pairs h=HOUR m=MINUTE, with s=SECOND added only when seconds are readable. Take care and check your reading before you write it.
h=8 m=30 s=21
